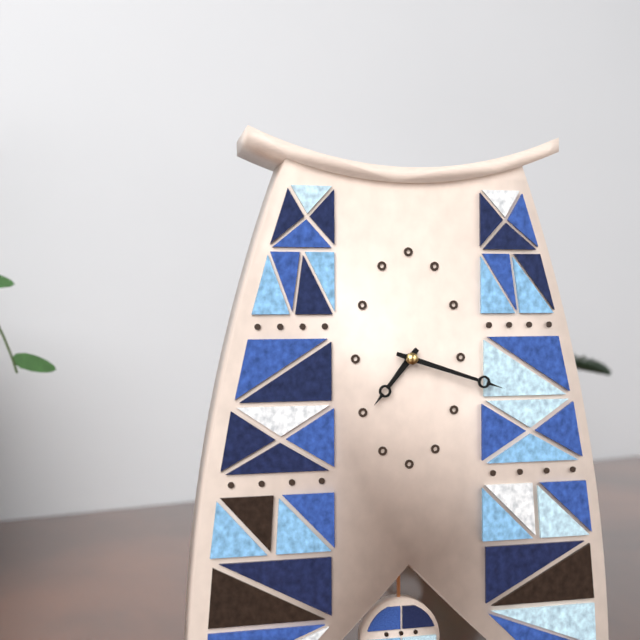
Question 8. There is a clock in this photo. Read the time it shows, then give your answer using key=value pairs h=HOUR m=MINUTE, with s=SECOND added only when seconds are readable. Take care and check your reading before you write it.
h=7 m=18
